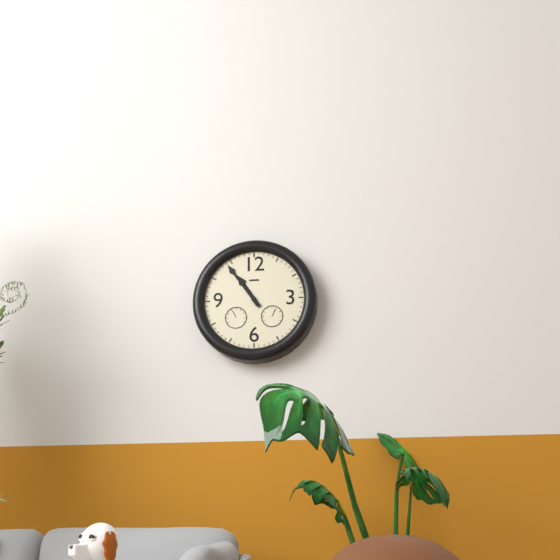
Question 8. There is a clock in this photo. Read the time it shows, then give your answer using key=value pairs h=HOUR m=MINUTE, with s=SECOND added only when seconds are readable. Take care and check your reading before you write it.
h=10 m=54
